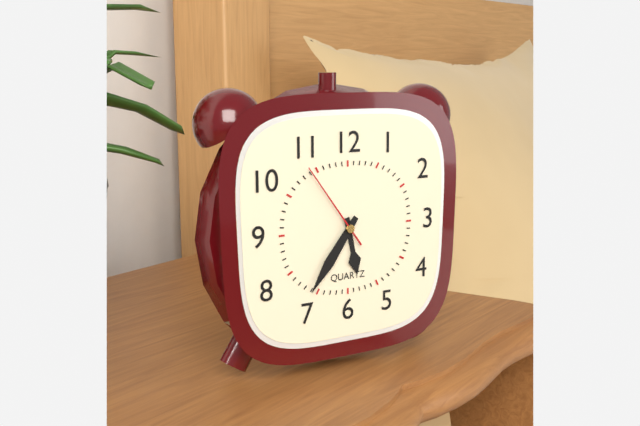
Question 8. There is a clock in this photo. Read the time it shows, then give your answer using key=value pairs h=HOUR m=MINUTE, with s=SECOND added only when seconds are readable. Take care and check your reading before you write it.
h=5 m=36 s=54
